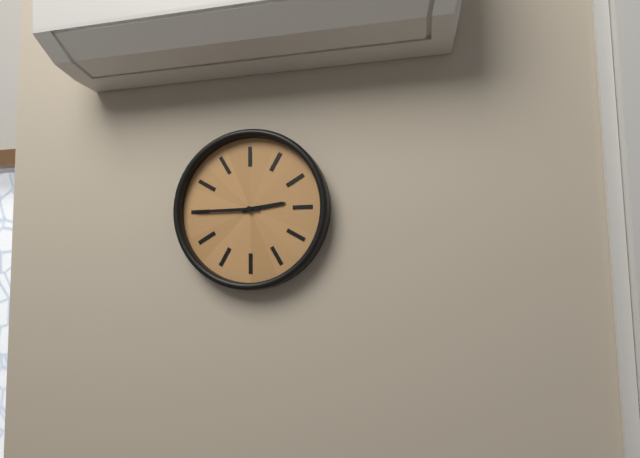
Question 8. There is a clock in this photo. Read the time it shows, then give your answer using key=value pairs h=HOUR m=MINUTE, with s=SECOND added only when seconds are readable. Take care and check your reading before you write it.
h=2 m=45
